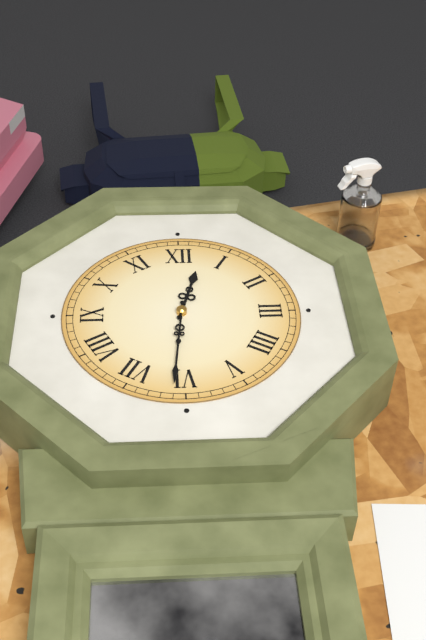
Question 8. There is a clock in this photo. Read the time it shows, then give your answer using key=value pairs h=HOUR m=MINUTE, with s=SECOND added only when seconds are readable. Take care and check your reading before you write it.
h=12 m=31
